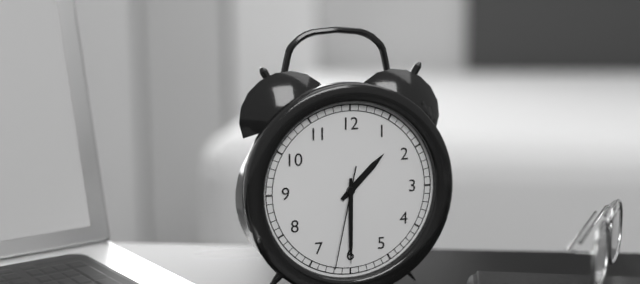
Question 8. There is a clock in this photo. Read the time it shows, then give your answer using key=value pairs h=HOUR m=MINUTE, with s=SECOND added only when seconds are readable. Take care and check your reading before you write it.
h=1 m=30 s=32
